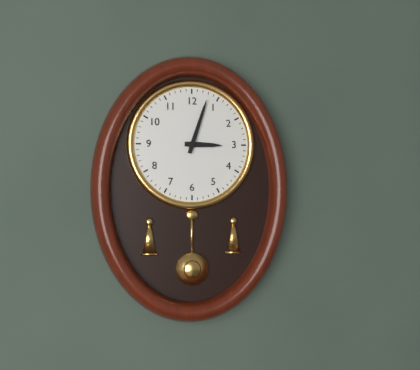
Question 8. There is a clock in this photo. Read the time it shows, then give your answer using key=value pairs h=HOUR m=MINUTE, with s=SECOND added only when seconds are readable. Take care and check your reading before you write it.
h=3 m=3
